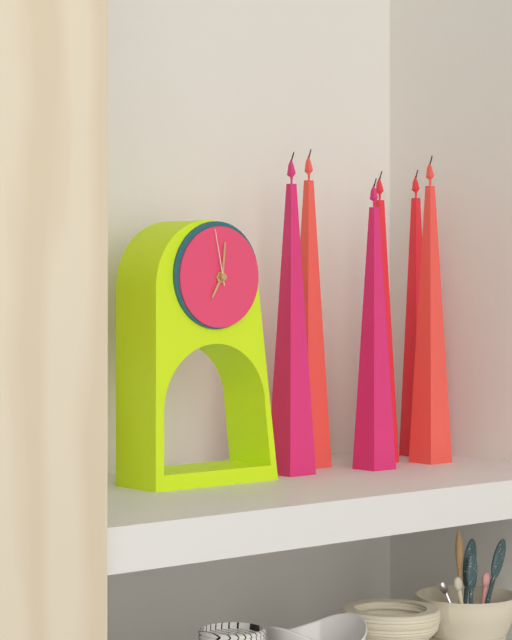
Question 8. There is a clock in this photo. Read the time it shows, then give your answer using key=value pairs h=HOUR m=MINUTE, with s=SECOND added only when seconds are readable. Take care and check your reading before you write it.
h=7 m=1 s=58
